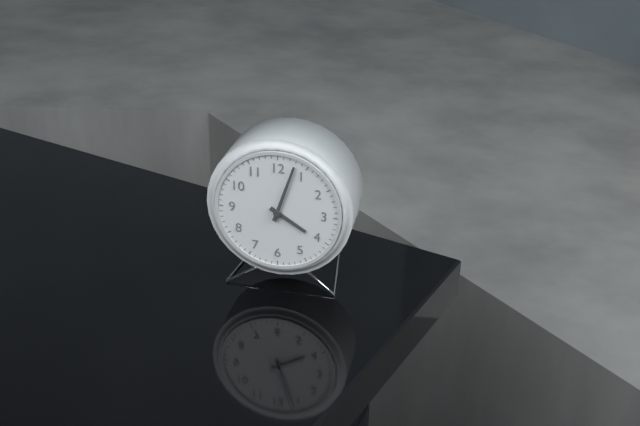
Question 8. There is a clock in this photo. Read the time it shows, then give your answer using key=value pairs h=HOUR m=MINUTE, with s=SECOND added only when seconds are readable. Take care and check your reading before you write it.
h=4 m=3
